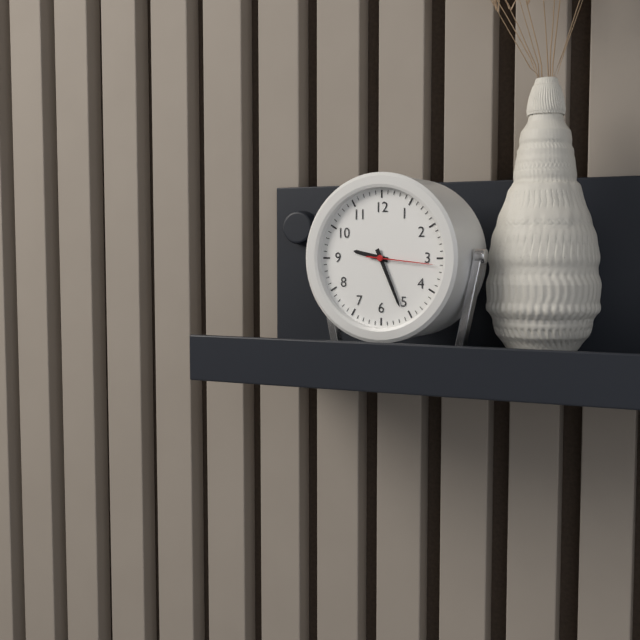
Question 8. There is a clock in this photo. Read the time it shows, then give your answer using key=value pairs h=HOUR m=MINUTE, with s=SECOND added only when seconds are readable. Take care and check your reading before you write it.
h=9 m=26 s=16
